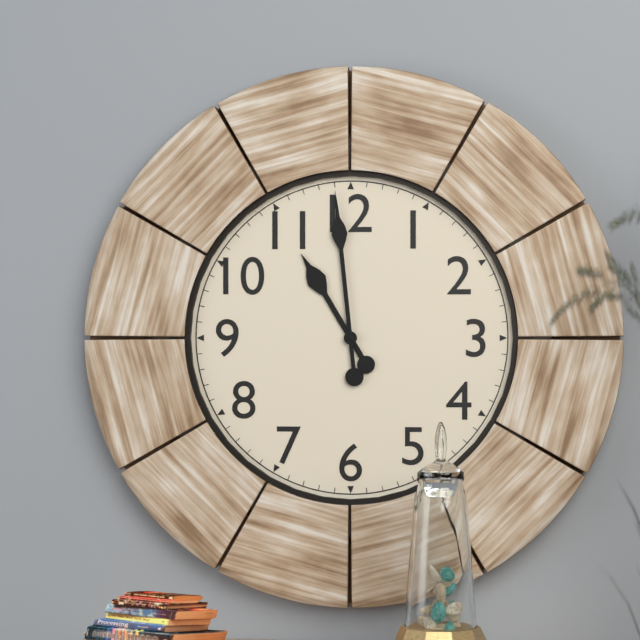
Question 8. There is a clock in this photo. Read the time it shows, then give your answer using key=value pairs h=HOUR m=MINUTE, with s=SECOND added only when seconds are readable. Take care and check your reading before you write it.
h=10 m=59
